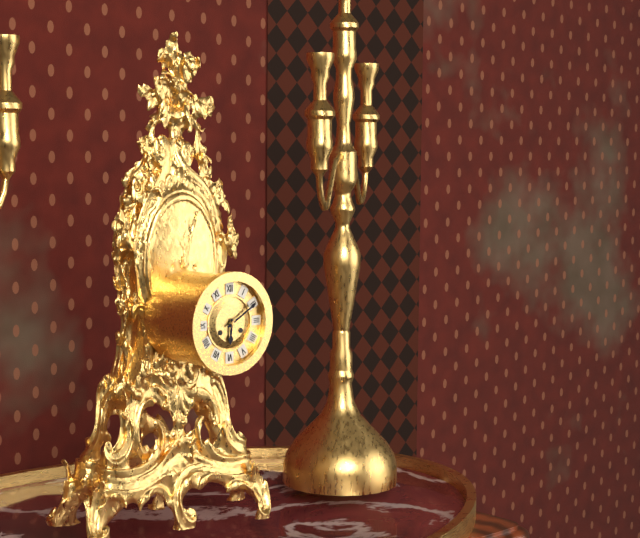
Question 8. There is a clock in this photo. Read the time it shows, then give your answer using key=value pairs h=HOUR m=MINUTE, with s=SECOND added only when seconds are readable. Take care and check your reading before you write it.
h=6 m=10
